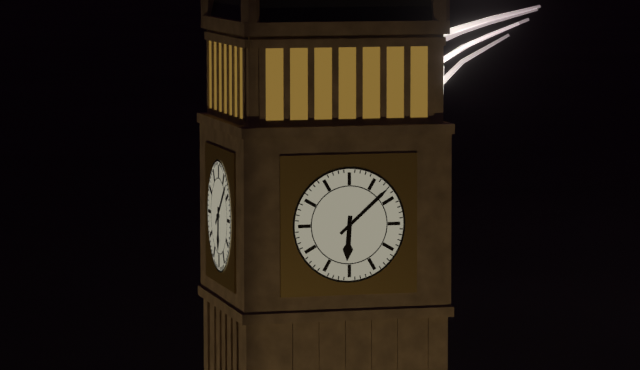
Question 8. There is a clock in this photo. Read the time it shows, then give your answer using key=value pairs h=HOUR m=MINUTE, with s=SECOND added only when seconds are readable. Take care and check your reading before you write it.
h=6 m=8
